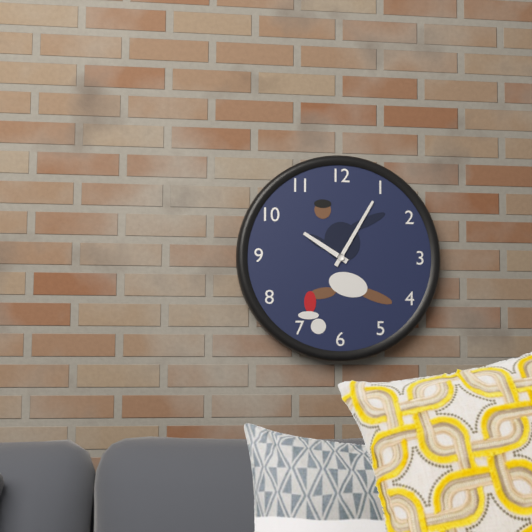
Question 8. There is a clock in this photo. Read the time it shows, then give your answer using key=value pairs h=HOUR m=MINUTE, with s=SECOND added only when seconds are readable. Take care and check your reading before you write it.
h=10 m=5
